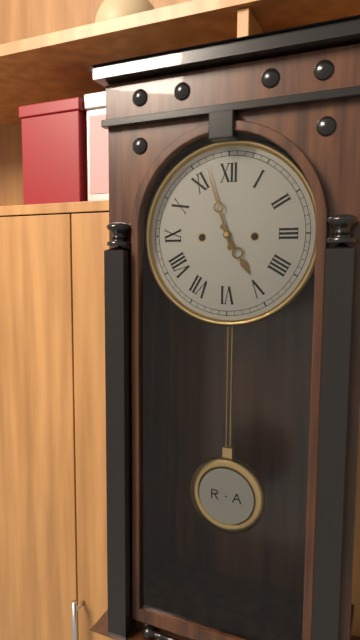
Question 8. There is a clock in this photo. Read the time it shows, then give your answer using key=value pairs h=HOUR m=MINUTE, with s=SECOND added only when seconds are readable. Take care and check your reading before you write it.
h=4 m=57
